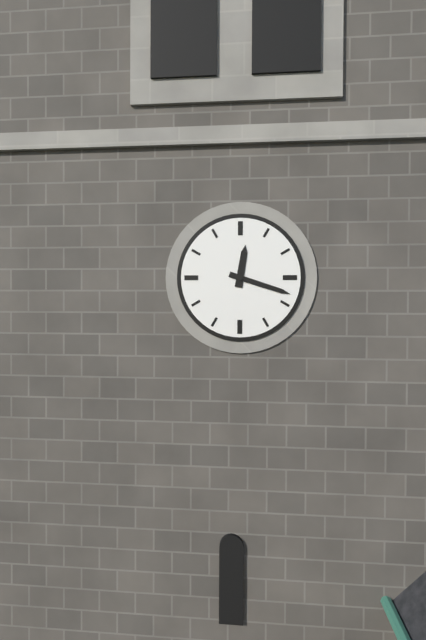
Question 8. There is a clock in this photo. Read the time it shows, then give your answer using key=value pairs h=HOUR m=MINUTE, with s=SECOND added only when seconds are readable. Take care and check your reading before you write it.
h=12 m=18
